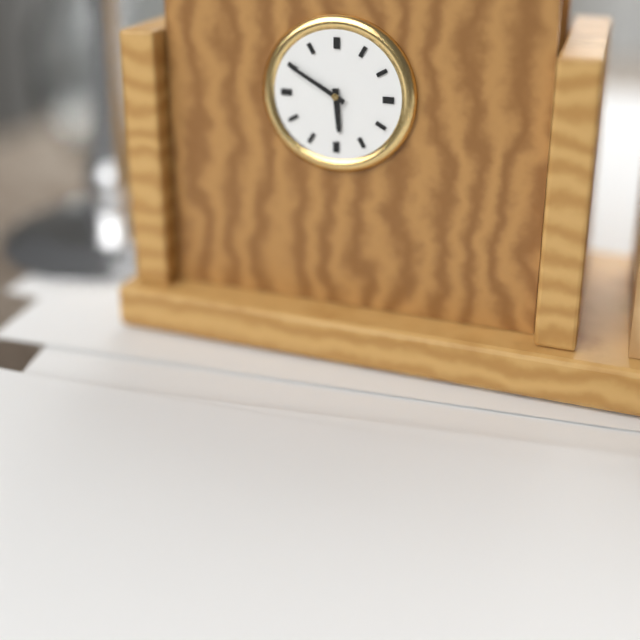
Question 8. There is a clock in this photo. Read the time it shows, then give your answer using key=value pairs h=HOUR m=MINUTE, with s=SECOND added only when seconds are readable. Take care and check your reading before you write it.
h=5 m=50
